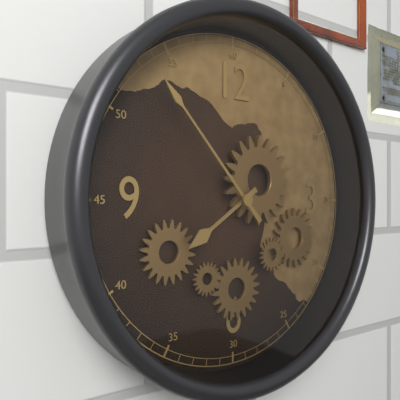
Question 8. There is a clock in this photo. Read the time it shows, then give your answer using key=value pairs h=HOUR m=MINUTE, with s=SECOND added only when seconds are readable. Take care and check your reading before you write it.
h=7 m=53
